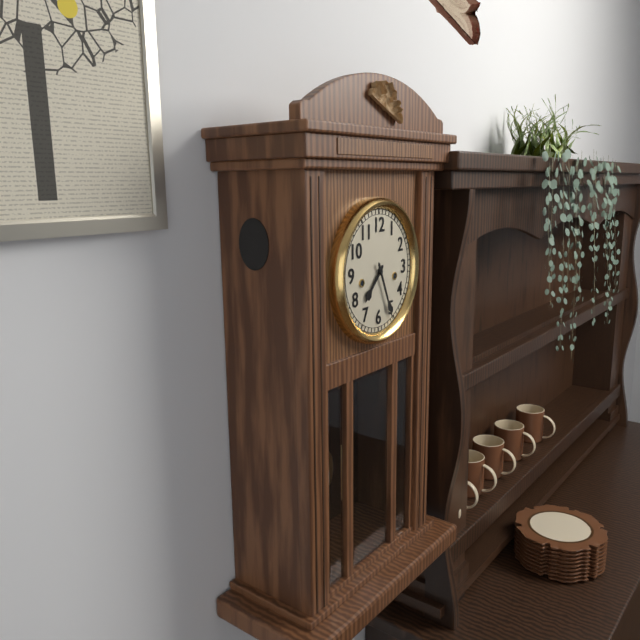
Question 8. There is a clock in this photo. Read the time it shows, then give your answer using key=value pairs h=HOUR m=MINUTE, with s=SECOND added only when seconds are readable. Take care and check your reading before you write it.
h=7 m=26
